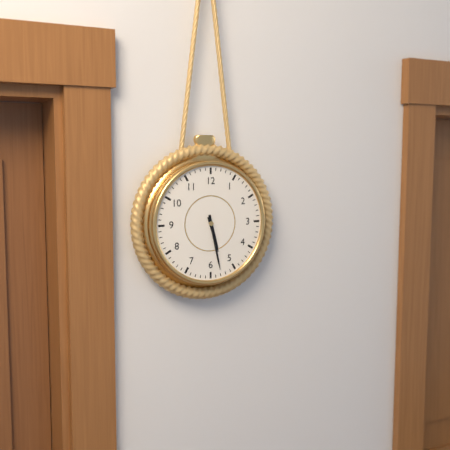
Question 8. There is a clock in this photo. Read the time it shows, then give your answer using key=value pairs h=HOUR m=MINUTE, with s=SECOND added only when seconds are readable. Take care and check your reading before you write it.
h=5 m=28
